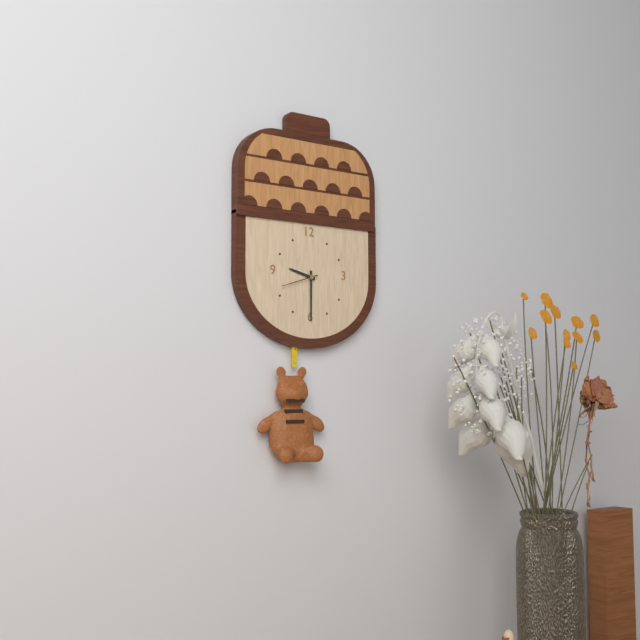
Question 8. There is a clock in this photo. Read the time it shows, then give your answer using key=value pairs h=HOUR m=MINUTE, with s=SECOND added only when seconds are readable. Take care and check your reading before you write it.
h=9 m=30
